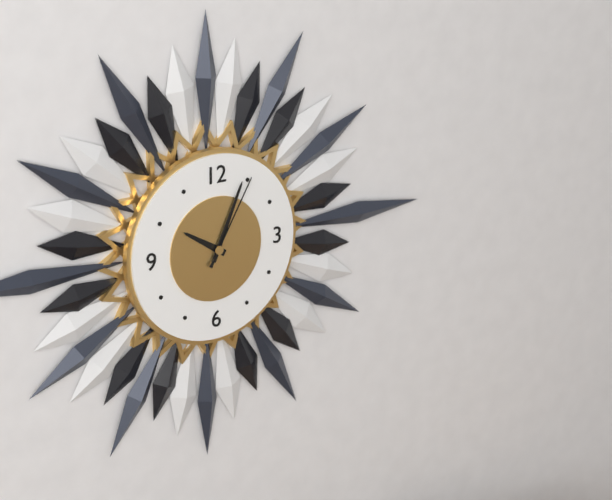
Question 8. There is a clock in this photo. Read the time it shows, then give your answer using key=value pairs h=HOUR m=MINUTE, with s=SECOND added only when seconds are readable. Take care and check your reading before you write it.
h=10 m=4 s=5
